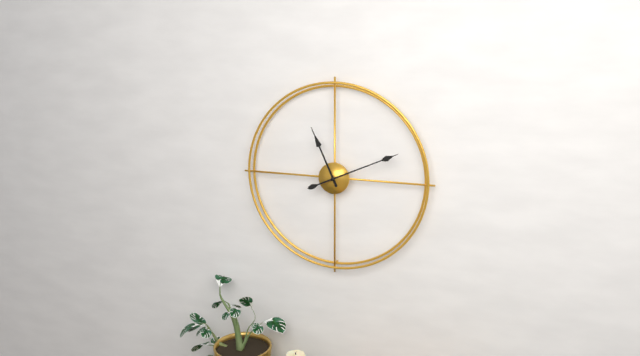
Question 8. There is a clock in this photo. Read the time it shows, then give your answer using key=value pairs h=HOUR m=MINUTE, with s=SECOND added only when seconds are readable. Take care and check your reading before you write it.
h=11 m=11
